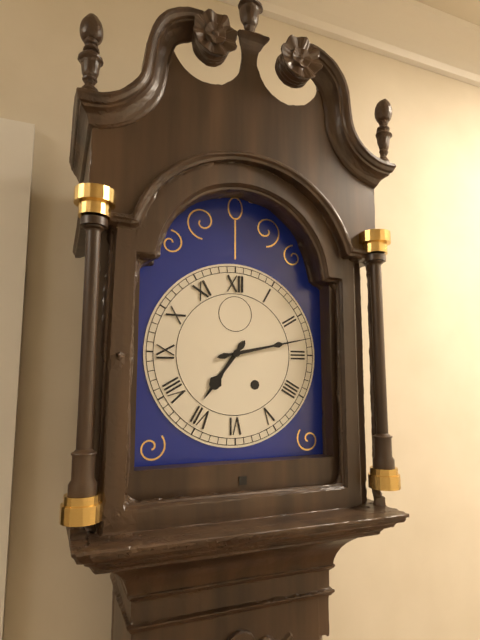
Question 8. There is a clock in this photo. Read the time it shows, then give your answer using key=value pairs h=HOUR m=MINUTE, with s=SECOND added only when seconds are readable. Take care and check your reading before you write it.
h=7 m=13
